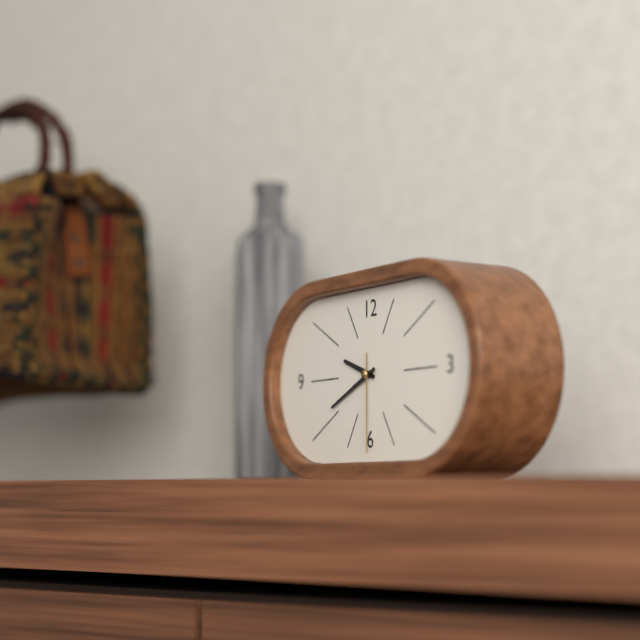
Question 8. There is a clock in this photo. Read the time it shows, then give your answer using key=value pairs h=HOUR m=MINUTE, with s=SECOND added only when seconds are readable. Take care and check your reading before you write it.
h=9 m=41 s=30
